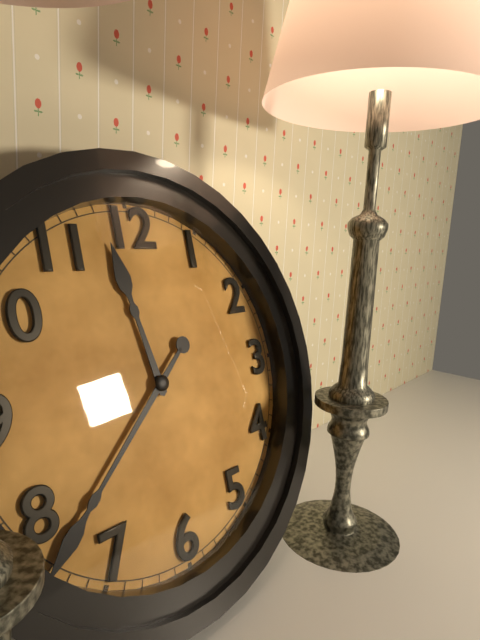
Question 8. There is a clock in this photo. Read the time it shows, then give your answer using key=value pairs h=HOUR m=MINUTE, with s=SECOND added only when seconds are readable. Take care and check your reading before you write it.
h=11 m=38
